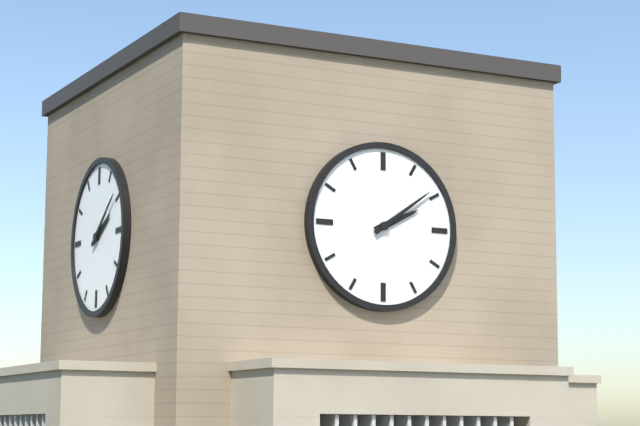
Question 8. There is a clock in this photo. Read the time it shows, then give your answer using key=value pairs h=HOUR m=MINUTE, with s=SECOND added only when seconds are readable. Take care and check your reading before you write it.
h=2 m=9
